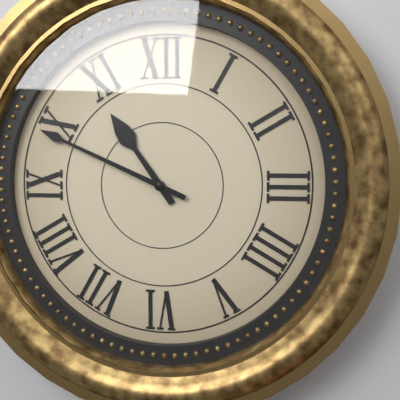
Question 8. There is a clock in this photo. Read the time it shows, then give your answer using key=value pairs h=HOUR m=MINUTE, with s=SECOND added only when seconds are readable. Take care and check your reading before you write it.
h=10 m=49
